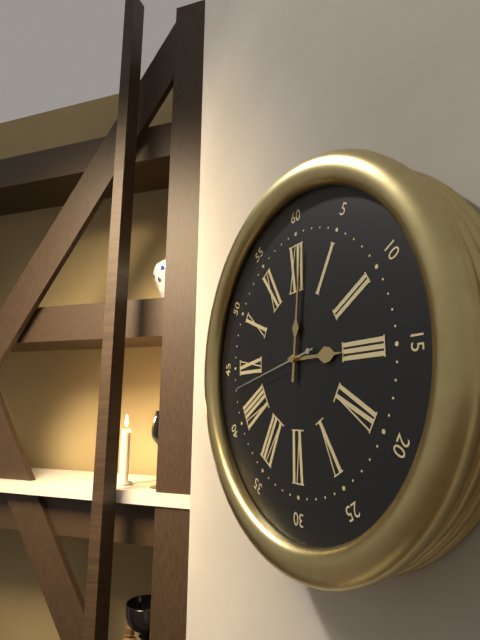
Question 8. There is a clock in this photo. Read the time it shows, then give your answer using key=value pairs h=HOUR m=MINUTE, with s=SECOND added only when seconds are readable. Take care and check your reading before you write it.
h=3 m=1 s=43
